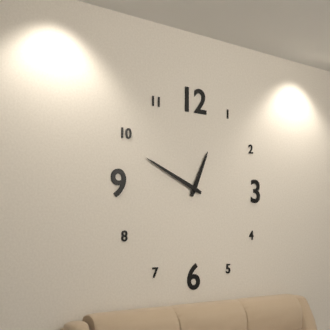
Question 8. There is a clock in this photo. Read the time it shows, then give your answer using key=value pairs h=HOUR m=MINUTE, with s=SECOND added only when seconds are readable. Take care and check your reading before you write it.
h=12 m=49
